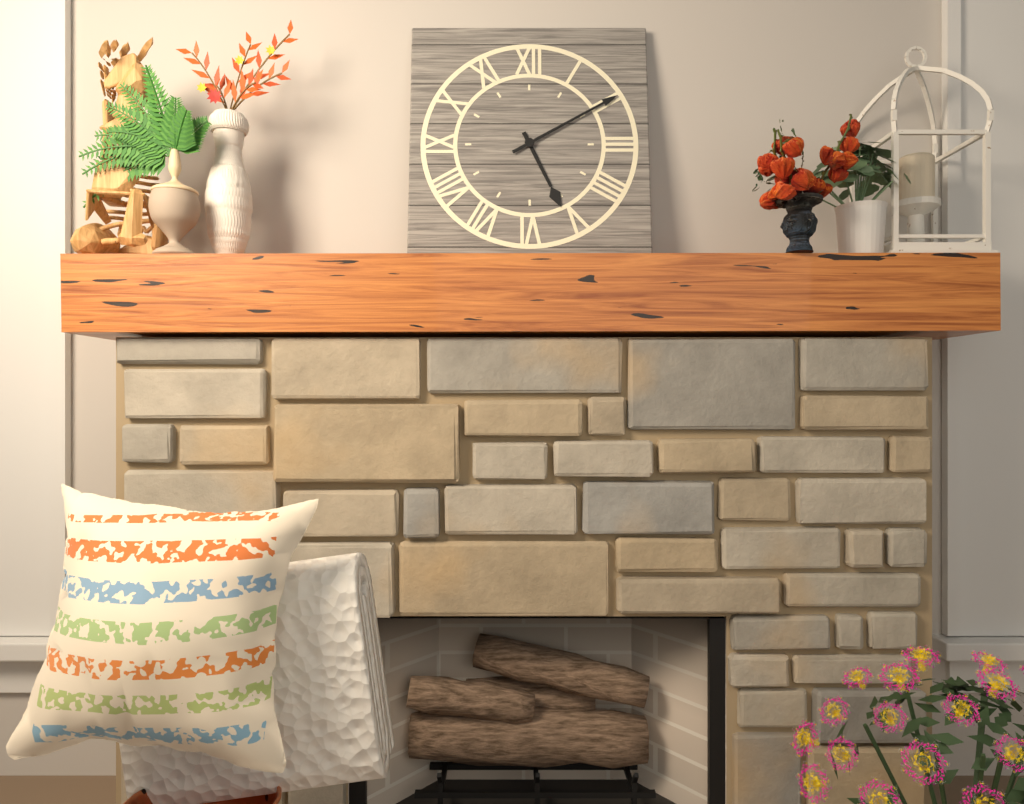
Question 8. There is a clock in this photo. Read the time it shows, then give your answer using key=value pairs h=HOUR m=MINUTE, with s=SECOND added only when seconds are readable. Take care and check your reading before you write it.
h=5 m=10
